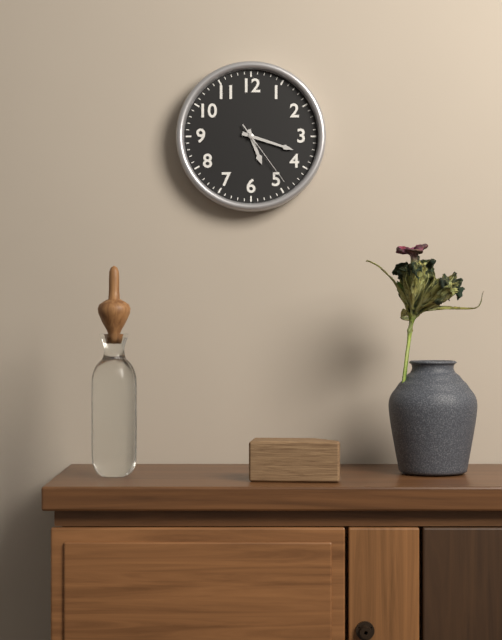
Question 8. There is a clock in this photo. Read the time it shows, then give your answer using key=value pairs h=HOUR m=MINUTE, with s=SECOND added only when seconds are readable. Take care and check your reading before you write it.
h=5 m=18 s=24
